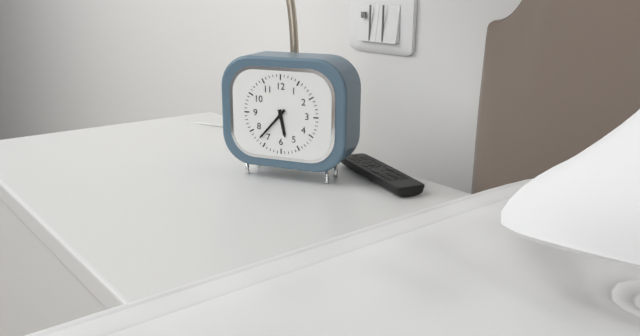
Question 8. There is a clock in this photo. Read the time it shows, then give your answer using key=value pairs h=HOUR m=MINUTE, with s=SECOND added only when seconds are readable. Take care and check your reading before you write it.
h=5 m=37
